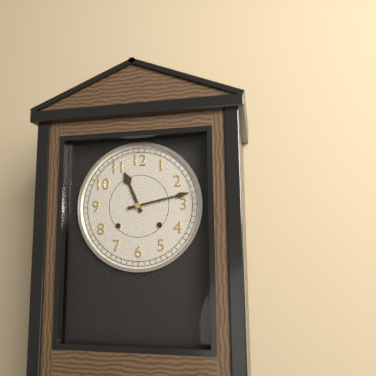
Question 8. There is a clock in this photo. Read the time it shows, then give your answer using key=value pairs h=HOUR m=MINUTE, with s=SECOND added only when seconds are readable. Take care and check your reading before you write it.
h=11 m=13
